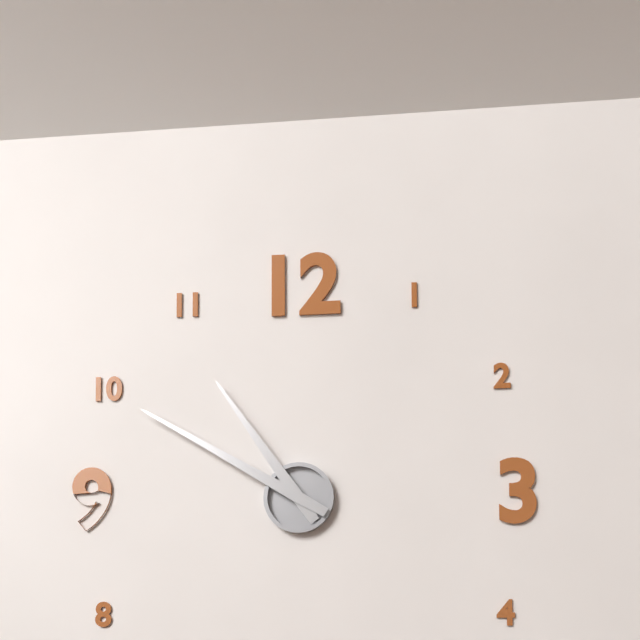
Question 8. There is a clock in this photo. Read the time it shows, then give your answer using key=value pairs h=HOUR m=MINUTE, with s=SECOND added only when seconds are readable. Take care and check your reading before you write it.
h=10 m=50
